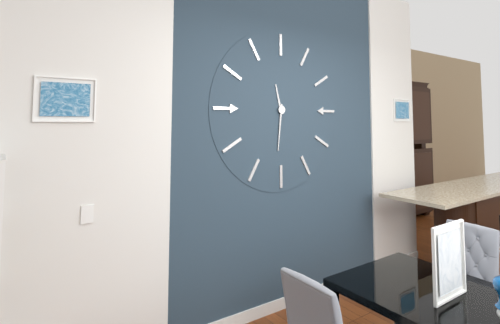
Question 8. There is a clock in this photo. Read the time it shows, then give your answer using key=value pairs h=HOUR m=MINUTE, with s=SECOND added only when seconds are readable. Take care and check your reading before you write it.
h=11 m=31
